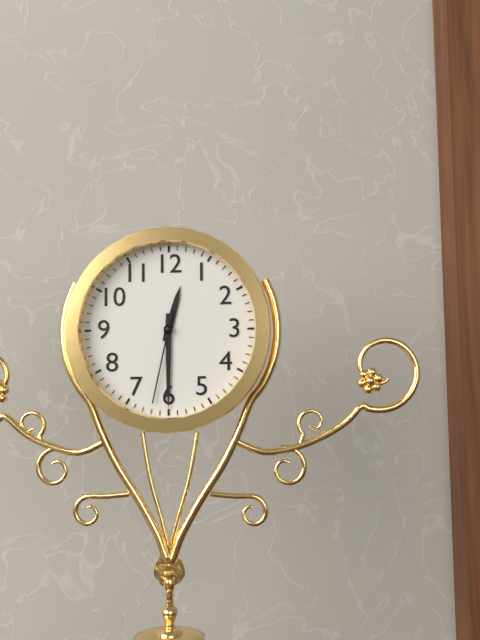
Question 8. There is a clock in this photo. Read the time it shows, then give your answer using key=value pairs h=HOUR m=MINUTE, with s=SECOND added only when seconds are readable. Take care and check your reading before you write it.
h=12 m=30 s=32
